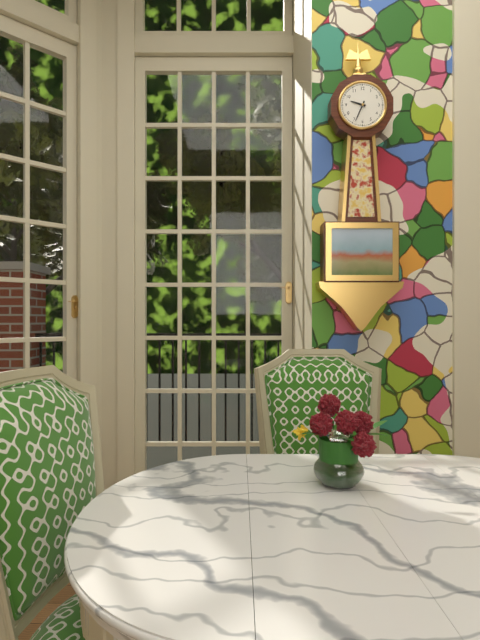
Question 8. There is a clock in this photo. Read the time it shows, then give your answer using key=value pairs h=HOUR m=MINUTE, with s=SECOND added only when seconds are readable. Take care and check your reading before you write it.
h=9 m=34
